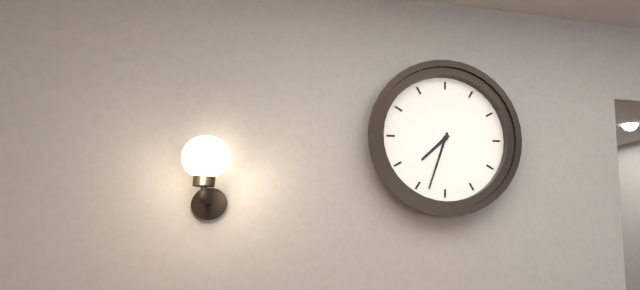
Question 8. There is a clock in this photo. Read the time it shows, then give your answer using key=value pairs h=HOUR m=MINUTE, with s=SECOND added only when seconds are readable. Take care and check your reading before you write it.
h=7 m=33
